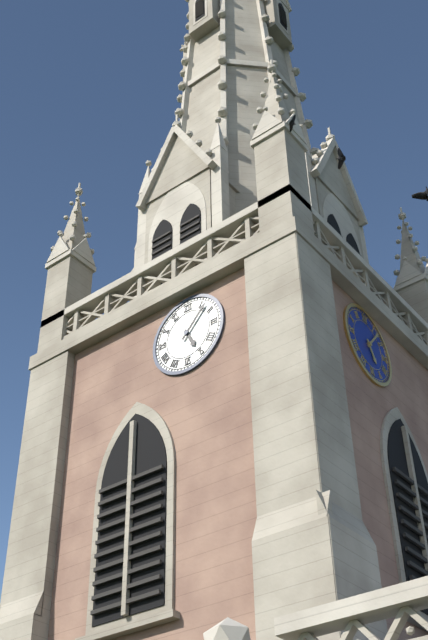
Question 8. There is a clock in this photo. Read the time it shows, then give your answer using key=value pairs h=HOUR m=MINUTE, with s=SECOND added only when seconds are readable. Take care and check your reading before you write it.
h=5 m=7
